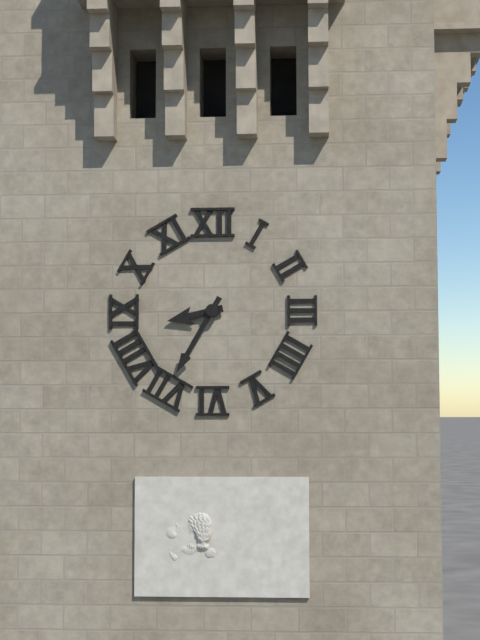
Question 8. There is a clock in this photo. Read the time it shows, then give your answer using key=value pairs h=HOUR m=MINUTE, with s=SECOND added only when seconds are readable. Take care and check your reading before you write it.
h=8 m=35
